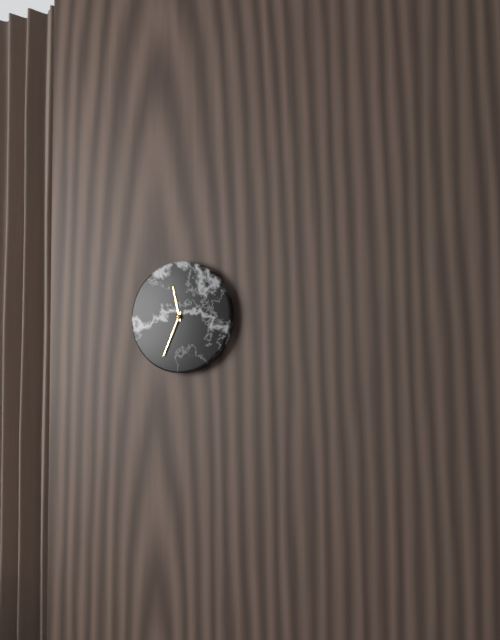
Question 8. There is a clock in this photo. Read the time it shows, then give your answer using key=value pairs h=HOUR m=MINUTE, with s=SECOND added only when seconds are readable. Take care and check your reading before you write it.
h=11 m=34
